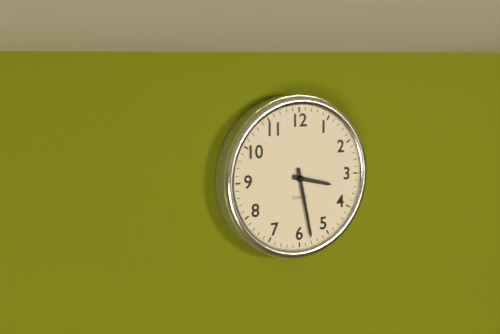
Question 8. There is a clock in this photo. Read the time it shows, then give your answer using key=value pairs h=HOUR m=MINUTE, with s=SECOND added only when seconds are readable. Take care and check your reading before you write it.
h=3 m=28
